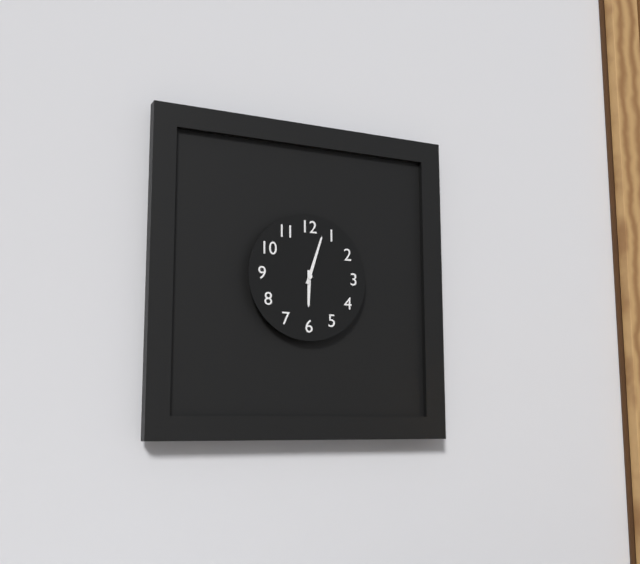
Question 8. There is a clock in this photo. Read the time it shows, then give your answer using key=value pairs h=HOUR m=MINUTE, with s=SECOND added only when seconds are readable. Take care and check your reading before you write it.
h=6 m=3
